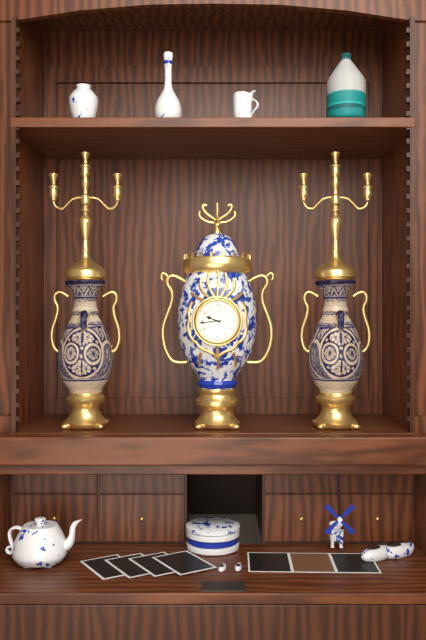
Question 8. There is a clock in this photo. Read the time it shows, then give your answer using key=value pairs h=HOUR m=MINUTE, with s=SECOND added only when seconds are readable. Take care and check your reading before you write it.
h=9 m=44
